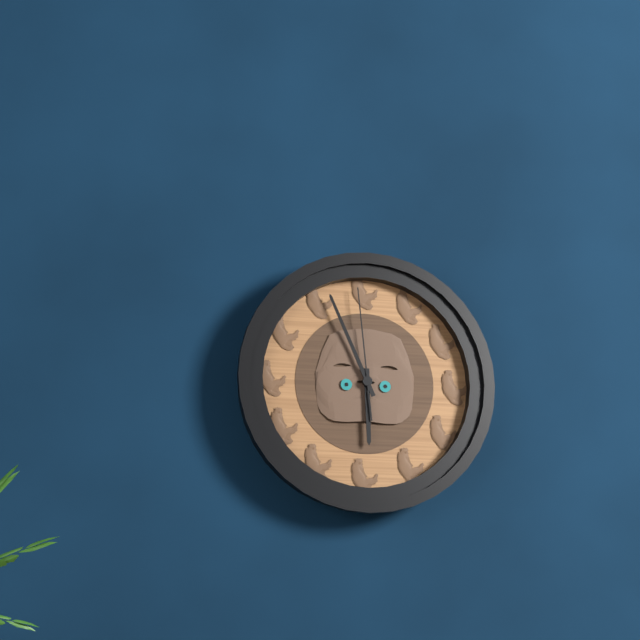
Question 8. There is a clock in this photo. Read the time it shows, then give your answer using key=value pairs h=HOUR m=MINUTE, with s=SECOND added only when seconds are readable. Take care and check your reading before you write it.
h=5 m=56 s=59
